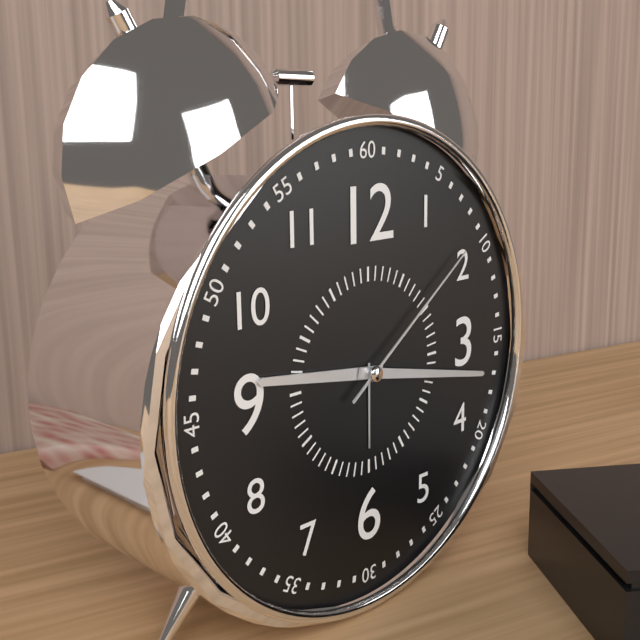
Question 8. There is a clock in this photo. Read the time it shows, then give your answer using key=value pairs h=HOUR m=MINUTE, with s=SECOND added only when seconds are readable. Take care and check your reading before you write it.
h=9 m=17 s=9
